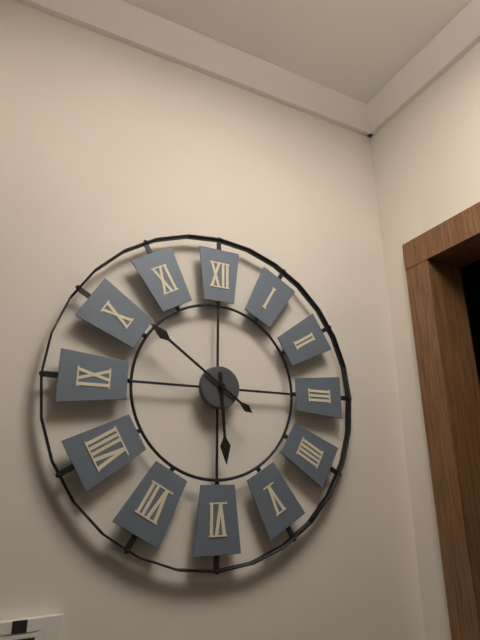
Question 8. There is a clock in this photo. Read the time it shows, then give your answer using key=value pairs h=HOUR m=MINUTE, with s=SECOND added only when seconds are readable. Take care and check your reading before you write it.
h=5 m=51
